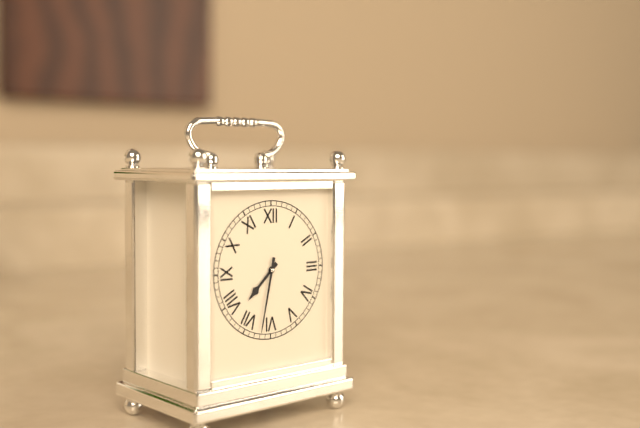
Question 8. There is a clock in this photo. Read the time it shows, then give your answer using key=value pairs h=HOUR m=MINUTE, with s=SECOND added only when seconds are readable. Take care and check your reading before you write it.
h=7 m=32
